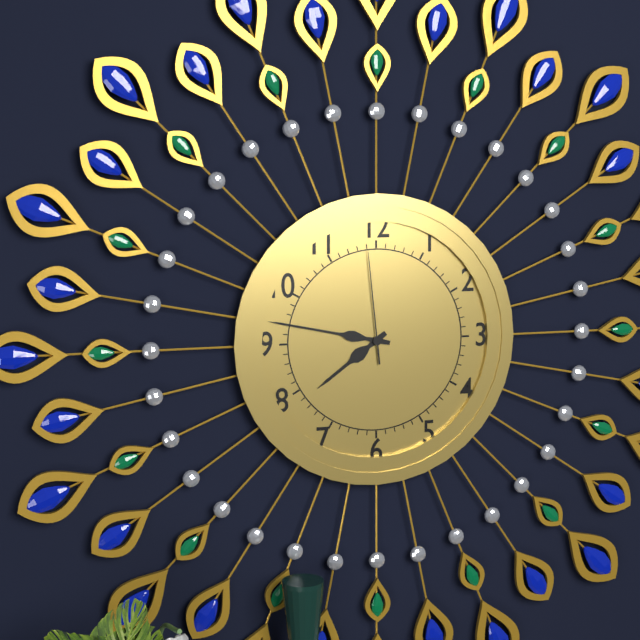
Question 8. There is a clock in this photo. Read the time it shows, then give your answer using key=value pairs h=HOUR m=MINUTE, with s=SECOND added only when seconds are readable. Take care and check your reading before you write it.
h=7 m=47 s=59
